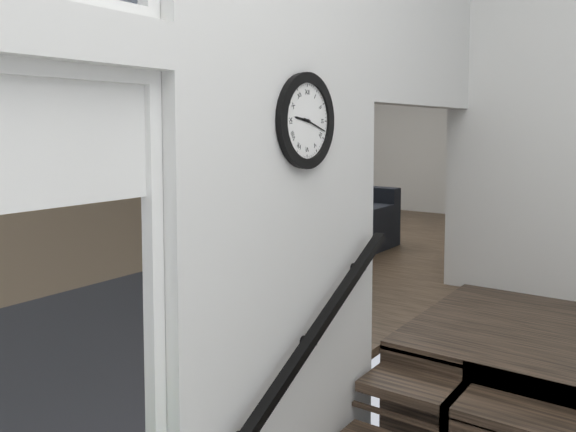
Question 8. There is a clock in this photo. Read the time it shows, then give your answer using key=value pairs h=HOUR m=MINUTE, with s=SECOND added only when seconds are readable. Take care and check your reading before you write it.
h=9 m=18
